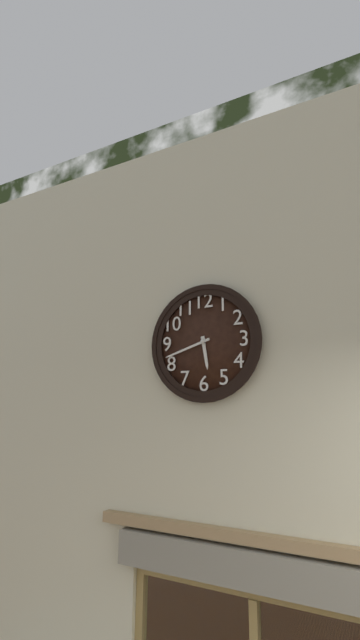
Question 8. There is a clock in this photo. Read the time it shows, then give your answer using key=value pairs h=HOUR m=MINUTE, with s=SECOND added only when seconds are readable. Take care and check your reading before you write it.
h=5 m=42
